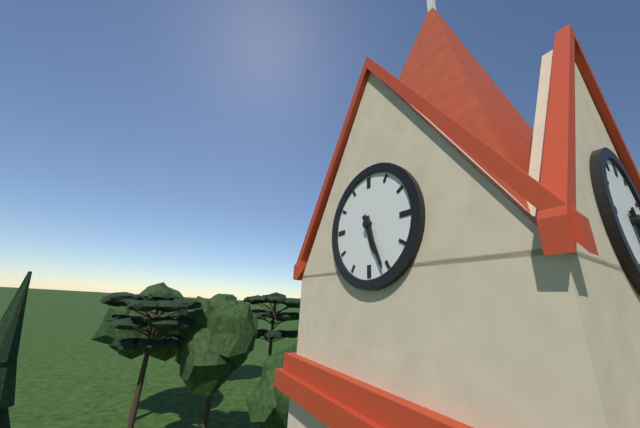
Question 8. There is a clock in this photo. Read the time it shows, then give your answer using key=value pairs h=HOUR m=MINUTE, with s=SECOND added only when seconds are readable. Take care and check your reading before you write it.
h=5 m=26
